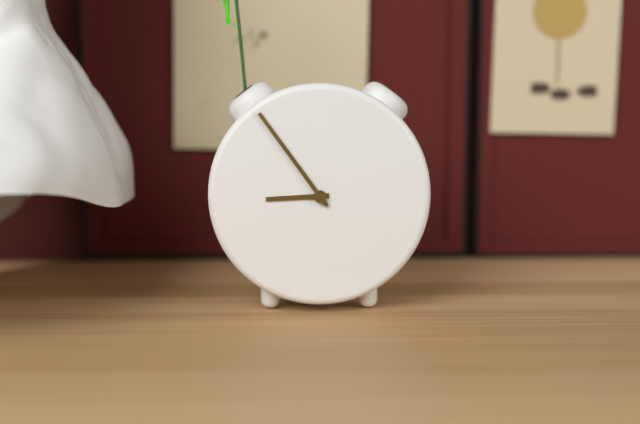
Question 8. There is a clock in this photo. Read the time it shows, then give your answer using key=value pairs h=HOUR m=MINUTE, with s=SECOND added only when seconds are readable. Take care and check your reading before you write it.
h=8 m=54
